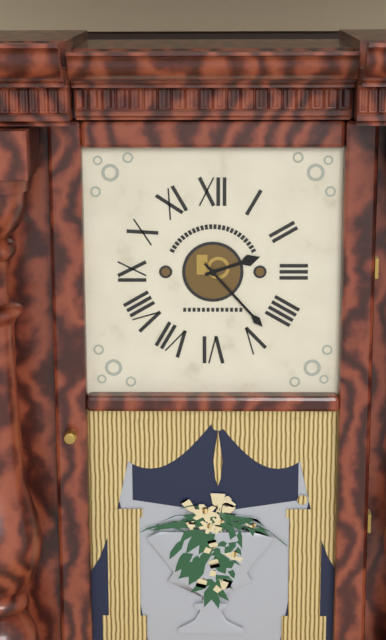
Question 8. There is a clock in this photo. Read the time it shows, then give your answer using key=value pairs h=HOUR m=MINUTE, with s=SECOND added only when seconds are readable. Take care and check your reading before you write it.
h=2 m=23
